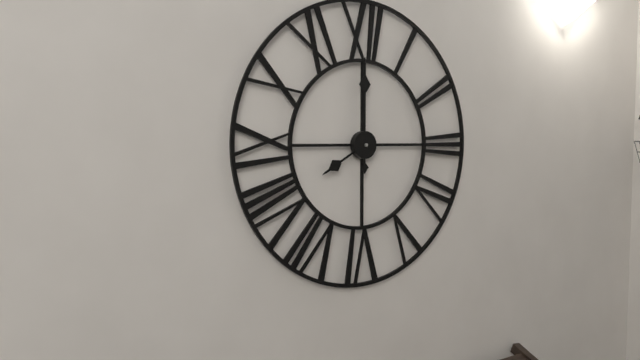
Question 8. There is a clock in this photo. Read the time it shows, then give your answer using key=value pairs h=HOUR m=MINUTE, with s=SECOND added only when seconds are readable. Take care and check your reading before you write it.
h=8 m=0
